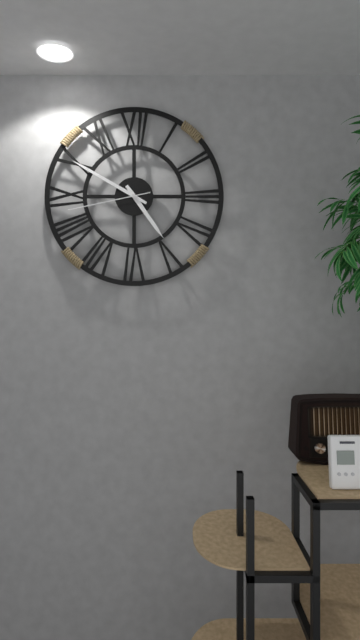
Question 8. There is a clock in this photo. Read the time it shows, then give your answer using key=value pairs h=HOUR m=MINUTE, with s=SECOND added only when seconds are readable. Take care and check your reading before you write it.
h=4 m=50 s=43
